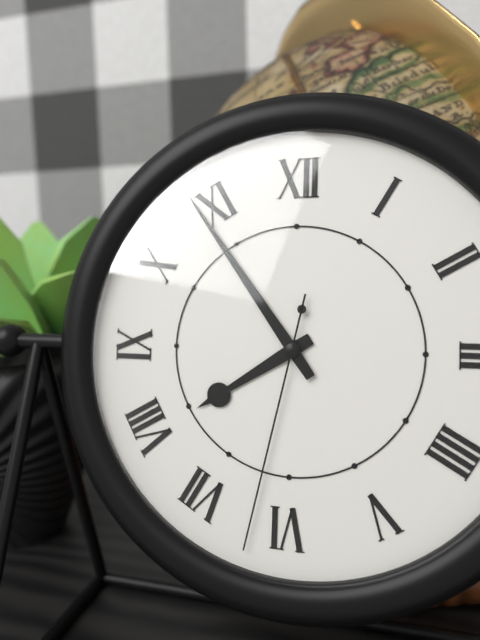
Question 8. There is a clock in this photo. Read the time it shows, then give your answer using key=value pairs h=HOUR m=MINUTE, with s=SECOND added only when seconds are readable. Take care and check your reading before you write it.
h=7 m=54 s=32
